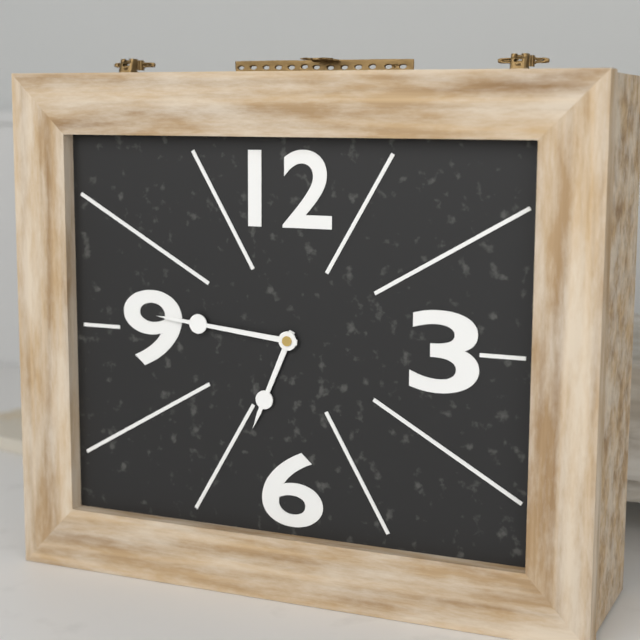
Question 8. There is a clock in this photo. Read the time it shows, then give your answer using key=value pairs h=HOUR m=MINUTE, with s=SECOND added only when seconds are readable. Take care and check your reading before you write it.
h=6 m=46
